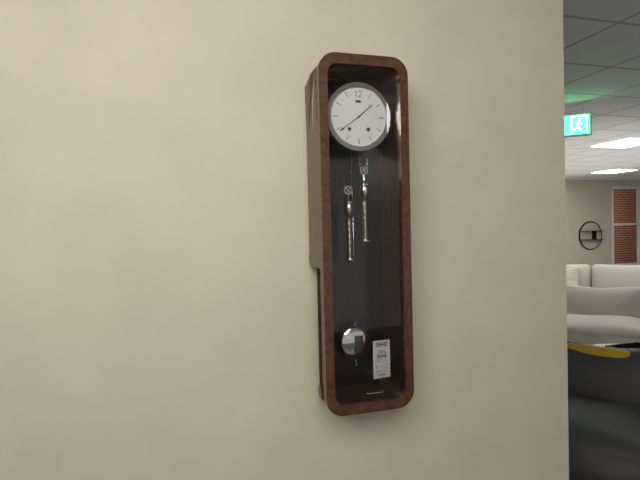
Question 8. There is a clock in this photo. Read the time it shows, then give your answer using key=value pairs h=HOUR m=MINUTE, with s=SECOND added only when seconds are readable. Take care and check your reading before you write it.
h=1 m=39
